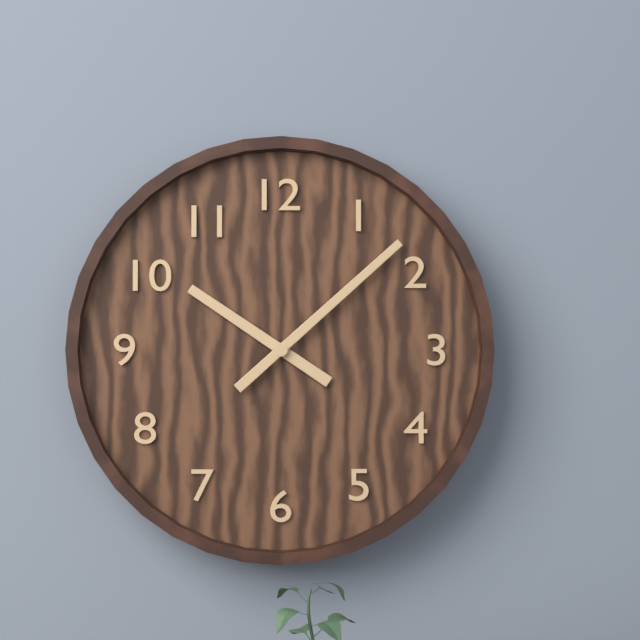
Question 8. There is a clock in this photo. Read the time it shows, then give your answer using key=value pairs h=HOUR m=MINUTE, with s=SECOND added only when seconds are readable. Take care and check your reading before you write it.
h=10 m=8
